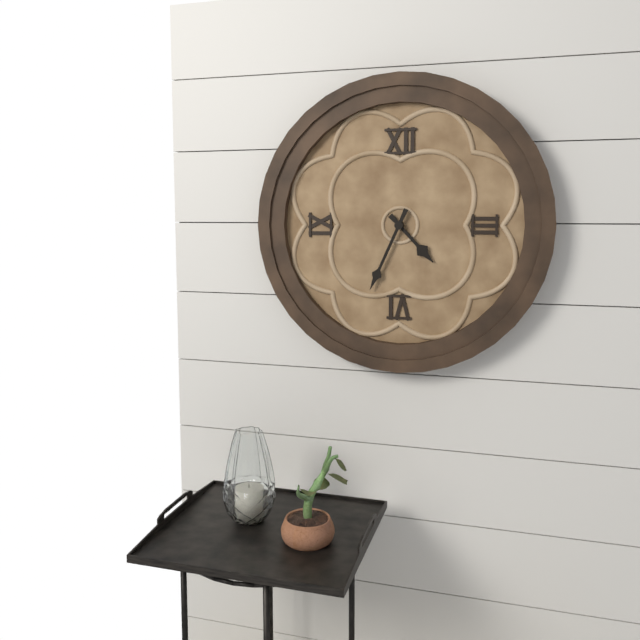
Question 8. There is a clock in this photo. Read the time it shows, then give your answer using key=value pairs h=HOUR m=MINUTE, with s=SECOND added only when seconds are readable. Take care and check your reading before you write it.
h=4 m=34
